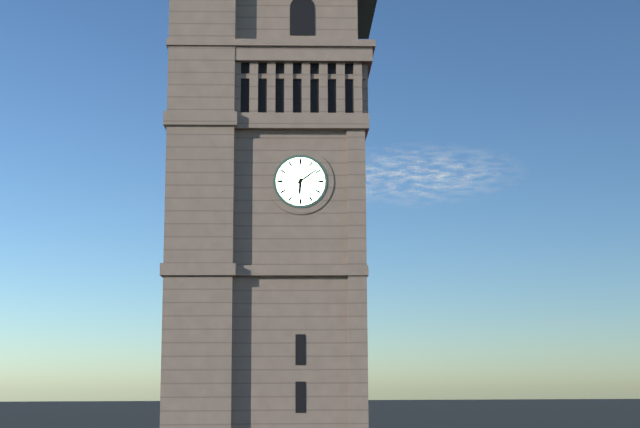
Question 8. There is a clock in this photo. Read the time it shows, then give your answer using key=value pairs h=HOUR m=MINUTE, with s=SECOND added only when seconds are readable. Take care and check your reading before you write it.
h=6 m=9
